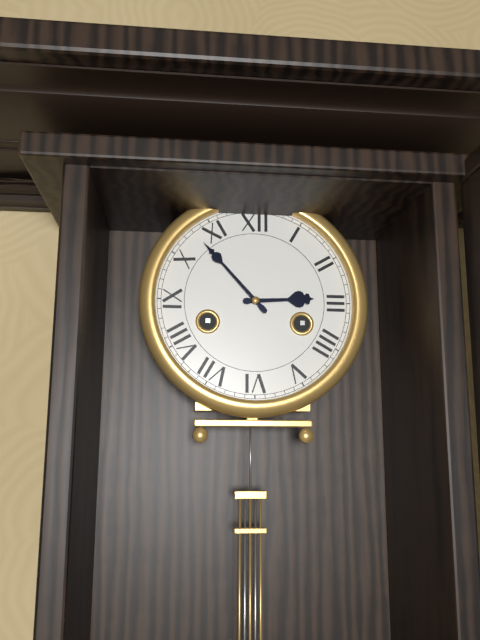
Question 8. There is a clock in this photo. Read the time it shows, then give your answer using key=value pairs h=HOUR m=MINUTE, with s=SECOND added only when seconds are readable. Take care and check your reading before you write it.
h=2 m=53
